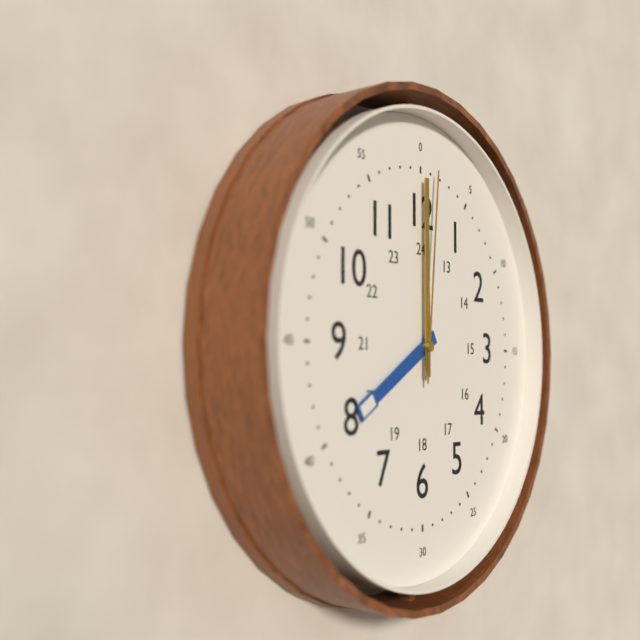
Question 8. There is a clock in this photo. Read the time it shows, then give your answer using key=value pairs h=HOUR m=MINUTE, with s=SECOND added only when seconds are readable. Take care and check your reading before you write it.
h=8 m=0 s=1
